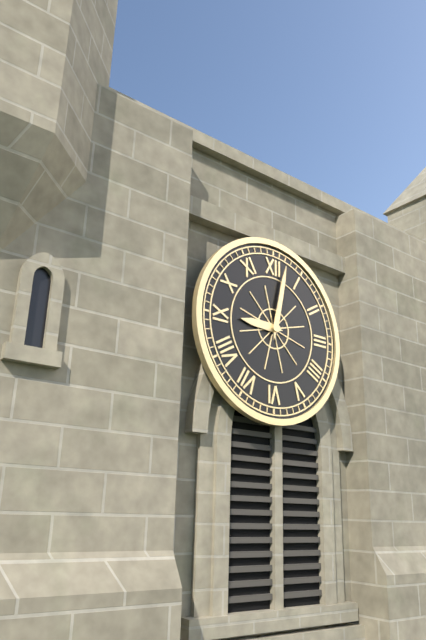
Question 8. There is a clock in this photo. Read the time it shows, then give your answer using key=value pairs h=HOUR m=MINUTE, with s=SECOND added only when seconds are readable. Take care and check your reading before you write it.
h=9 m=2
